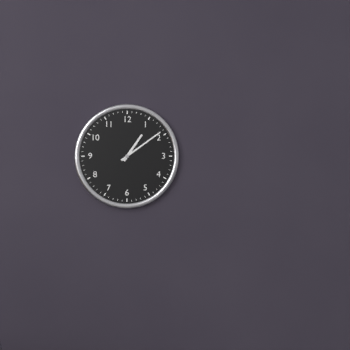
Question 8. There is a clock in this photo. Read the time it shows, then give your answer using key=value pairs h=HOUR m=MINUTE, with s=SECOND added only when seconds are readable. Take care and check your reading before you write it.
h=1 m=9
